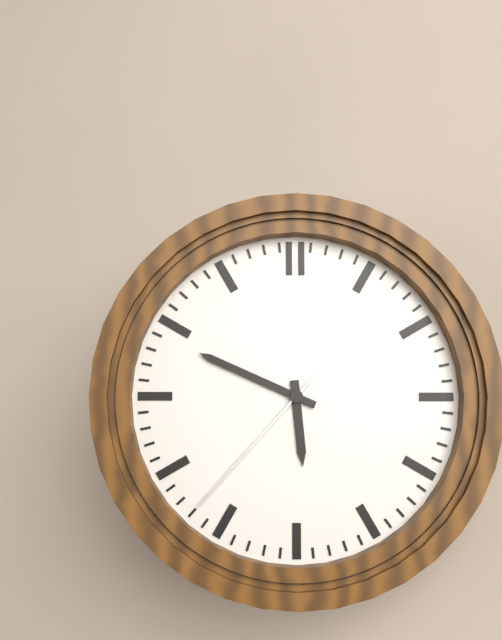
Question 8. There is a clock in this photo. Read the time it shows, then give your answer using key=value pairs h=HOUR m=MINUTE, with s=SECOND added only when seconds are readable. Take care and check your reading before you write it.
h=5 m=49 s=37
